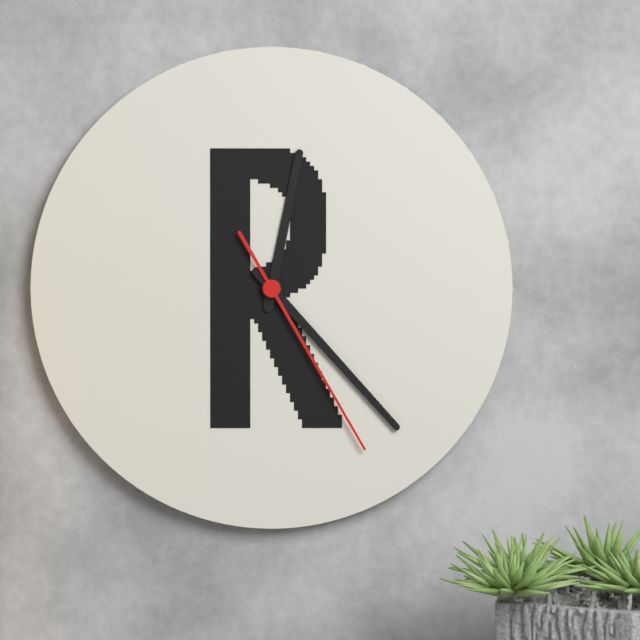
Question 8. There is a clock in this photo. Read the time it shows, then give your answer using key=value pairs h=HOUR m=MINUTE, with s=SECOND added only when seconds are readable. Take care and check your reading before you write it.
h=12 m=23 s=25
